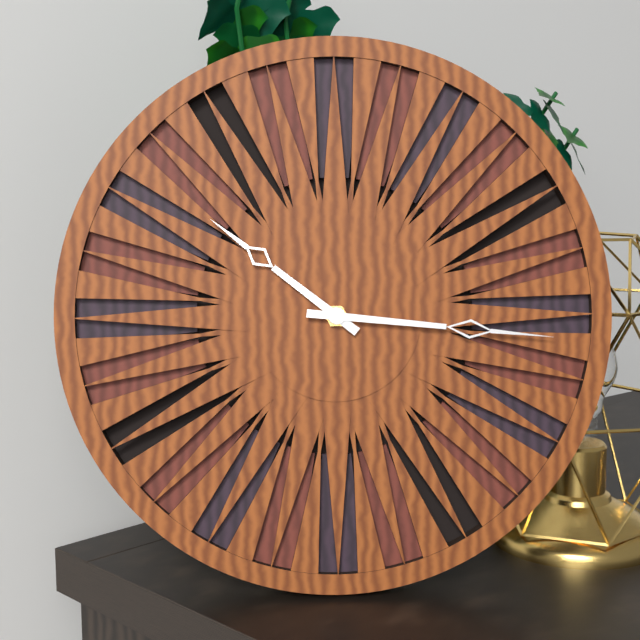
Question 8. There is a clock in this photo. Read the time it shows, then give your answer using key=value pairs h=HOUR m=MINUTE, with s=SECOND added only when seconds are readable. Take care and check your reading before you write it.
h=10 m=16
